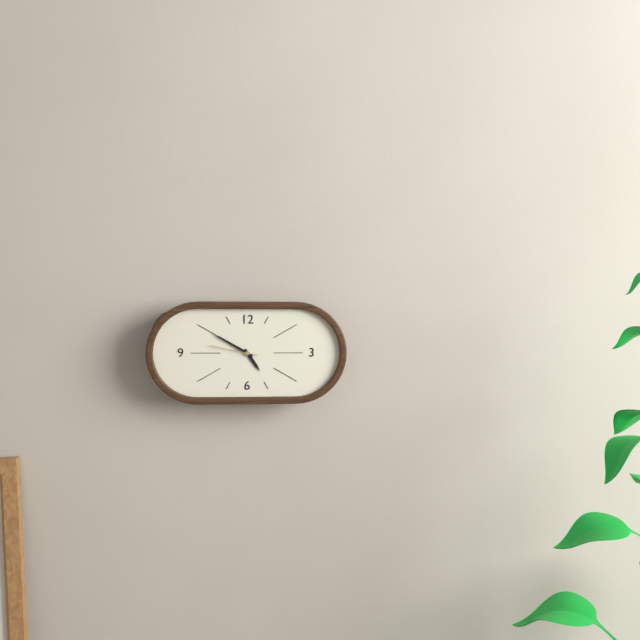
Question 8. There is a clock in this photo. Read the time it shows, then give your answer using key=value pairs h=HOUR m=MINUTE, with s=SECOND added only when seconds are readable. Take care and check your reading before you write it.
h=4 m=50
